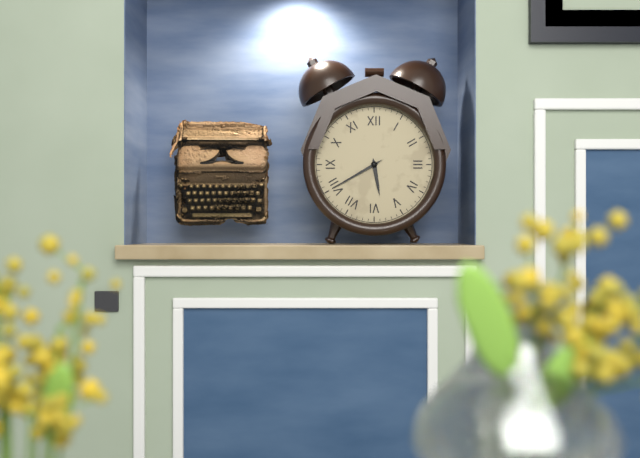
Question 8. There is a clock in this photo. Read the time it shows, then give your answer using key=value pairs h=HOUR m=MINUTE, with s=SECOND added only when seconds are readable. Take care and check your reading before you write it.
h=5 m=40
